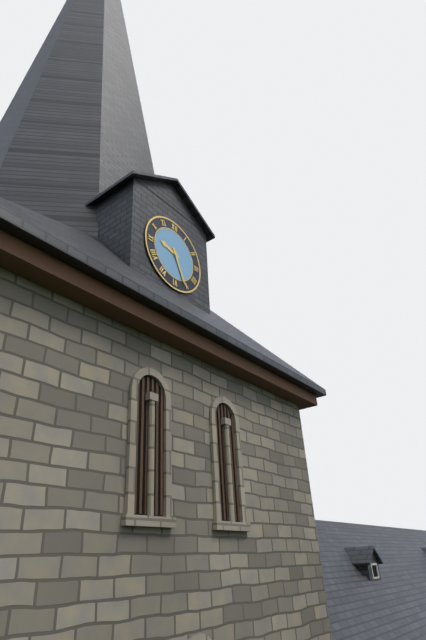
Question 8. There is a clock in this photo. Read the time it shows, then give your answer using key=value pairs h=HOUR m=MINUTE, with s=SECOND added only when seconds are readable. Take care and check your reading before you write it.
h=9 m=26
